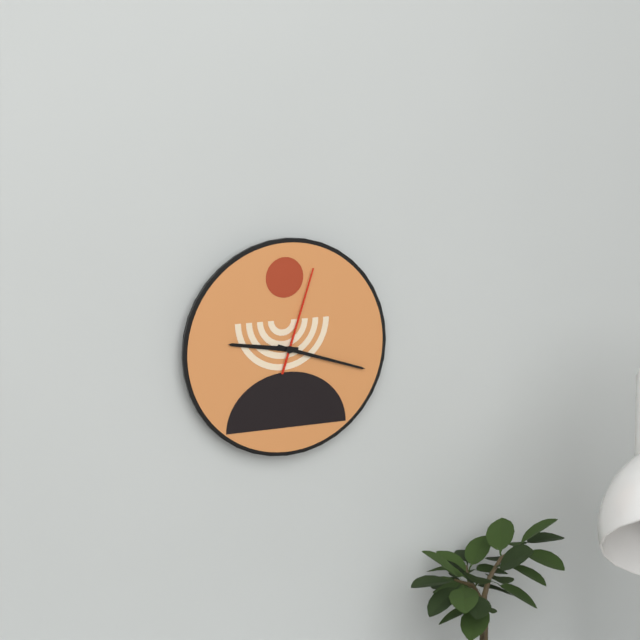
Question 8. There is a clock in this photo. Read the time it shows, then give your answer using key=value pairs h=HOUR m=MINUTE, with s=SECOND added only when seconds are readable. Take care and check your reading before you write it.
h=9 m=18 s=3
